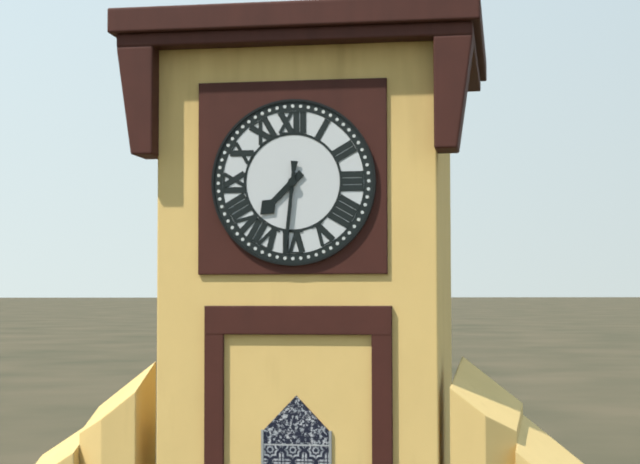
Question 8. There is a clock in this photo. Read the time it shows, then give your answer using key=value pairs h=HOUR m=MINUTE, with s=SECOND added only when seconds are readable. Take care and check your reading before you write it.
h=7 m=31
